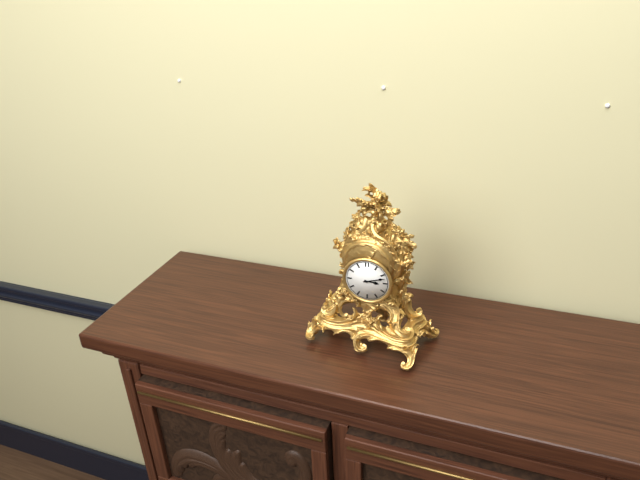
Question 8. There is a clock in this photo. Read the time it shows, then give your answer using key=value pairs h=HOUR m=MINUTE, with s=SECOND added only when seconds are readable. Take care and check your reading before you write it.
h=3 m=12
